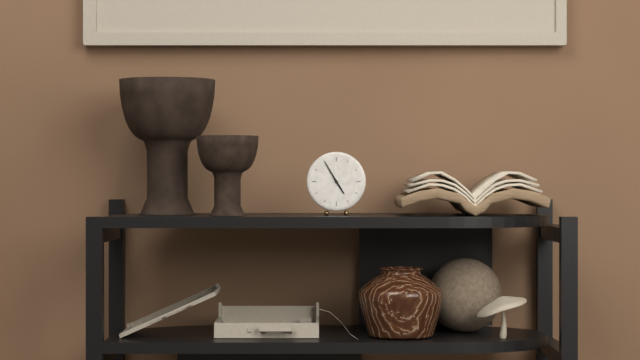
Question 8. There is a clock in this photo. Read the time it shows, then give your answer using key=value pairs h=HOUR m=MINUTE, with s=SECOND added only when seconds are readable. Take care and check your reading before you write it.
h=4 m=55
